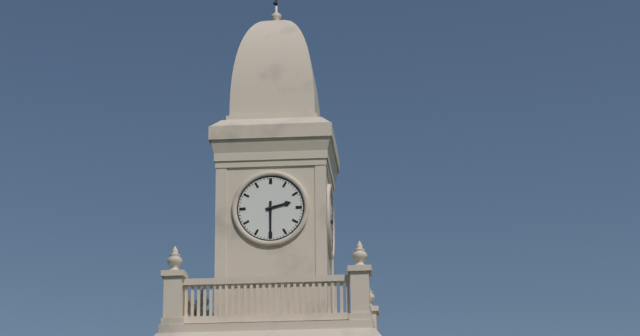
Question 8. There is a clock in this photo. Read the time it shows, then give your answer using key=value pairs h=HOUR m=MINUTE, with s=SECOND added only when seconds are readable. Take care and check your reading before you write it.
h=2 m=30
